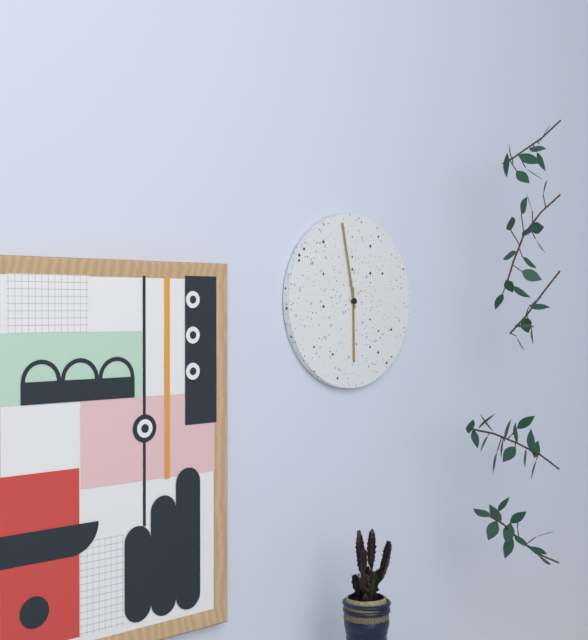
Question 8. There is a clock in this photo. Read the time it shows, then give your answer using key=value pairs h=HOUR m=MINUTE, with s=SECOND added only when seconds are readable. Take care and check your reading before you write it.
h=5 m=58
